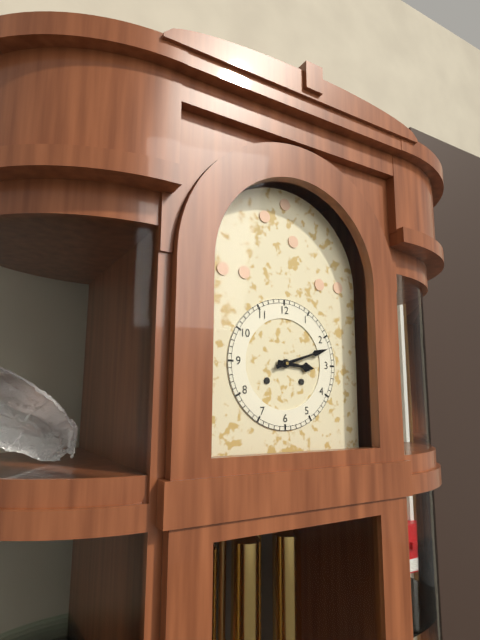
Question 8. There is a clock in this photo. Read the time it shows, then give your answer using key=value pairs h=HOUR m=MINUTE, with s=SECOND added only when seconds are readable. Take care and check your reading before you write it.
h=3 m=12
